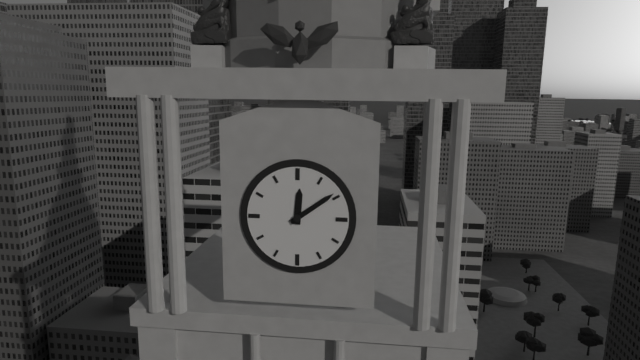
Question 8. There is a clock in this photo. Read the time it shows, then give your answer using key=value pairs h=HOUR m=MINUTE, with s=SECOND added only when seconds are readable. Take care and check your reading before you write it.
h=12 m=9
